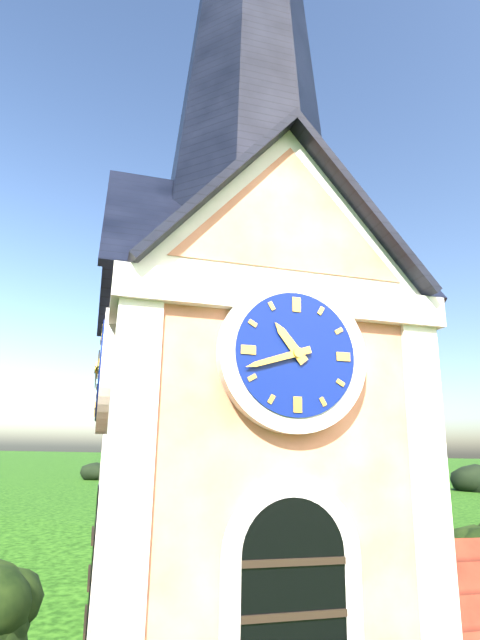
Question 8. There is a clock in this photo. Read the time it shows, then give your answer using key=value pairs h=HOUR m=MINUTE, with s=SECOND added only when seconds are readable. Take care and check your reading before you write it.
h=10 m=42
